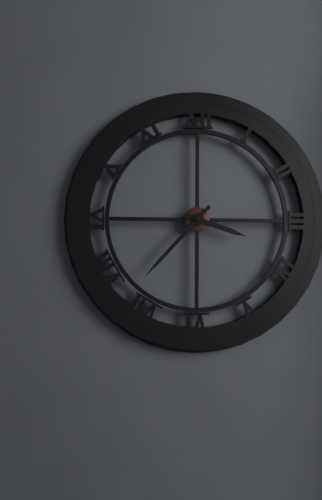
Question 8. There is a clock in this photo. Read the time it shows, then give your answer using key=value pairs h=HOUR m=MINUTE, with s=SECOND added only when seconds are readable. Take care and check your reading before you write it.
h=3 m=37
